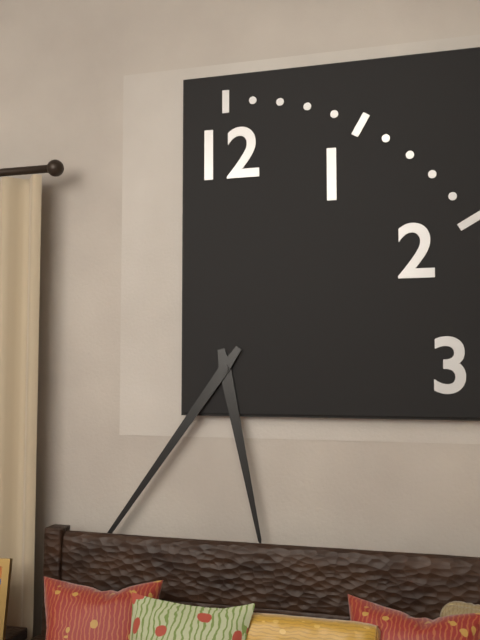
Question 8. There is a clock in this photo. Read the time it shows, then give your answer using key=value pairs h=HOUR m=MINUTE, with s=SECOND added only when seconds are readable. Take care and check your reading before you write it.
h=5 m=36
